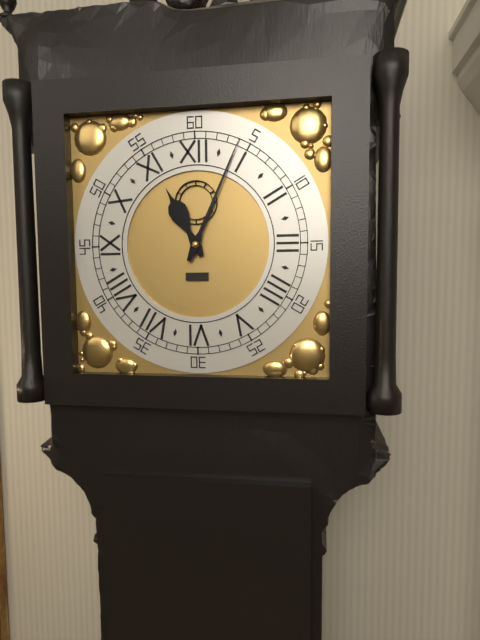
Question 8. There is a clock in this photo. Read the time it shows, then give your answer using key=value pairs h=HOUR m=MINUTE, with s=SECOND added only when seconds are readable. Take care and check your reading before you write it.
h=11 m=4
